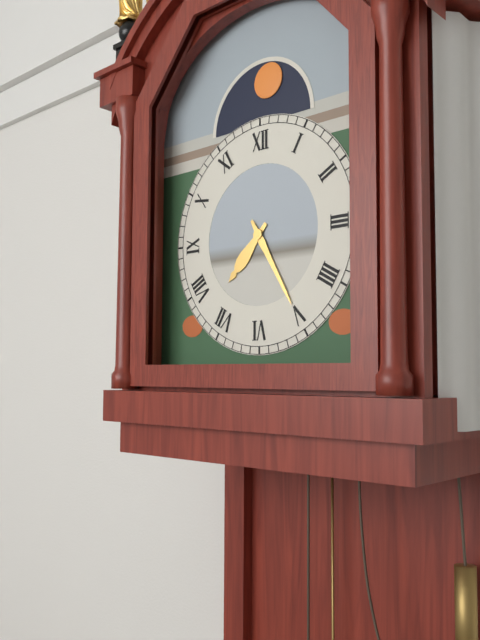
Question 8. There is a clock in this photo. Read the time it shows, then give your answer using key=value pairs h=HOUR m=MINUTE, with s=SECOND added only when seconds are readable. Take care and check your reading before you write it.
h=7 m=25
